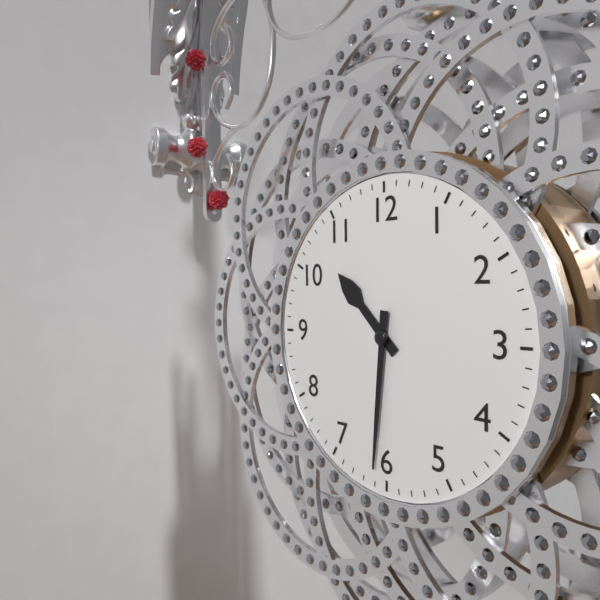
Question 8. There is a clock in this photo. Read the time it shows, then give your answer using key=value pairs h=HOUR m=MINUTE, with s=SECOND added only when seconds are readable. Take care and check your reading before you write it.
h=10 m=31
